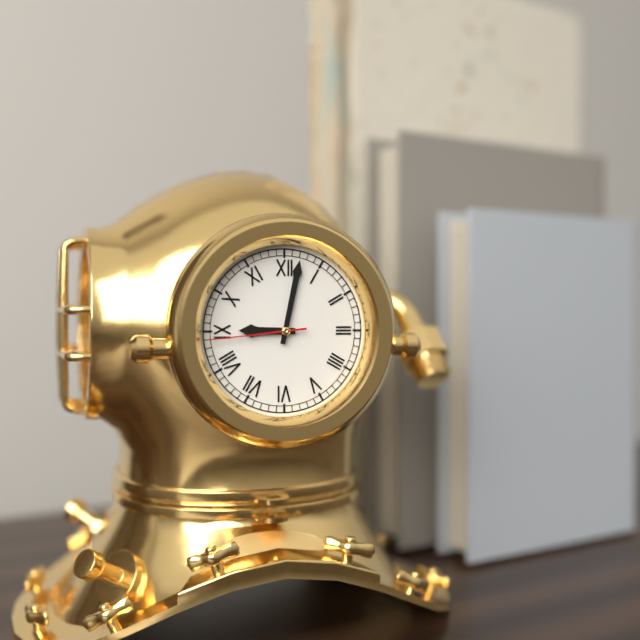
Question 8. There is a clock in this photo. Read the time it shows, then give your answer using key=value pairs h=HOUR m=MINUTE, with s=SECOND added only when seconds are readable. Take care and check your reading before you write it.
h=9 m=2 s=44
